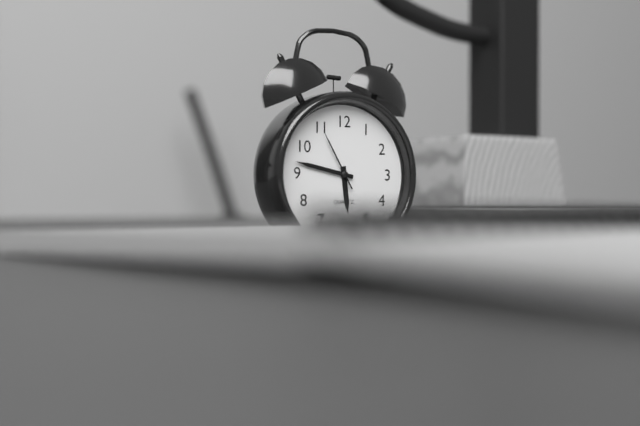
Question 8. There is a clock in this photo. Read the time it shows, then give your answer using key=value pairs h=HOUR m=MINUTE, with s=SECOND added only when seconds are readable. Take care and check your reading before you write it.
h=5 m=47 s=55
